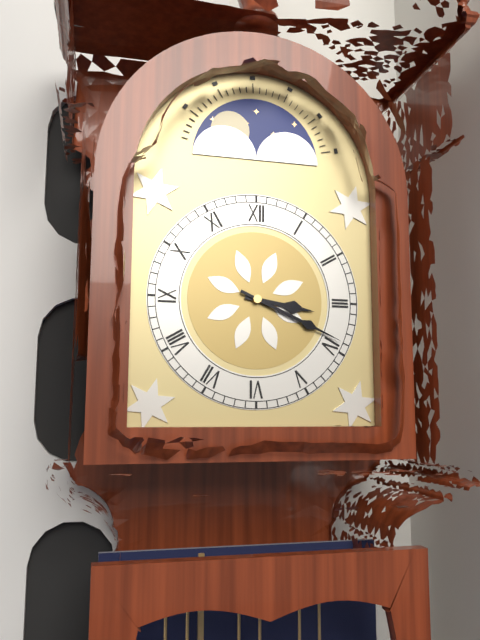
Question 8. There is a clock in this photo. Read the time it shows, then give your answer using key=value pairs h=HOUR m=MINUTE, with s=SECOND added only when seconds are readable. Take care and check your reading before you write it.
h=3 m=19
